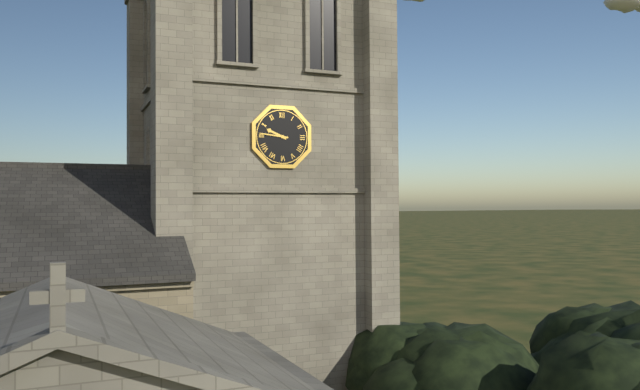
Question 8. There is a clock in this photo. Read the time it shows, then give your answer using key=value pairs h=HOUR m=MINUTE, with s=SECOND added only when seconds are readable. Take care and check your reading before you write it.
h=9 m=46
